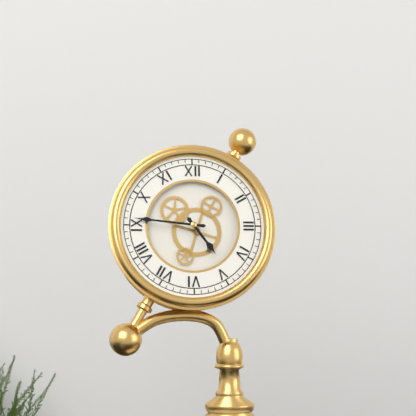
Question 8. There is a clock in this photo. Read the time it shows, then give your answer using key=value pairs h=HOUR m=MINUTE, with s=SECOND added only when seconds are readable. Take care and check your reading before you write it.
h=4 m=46
